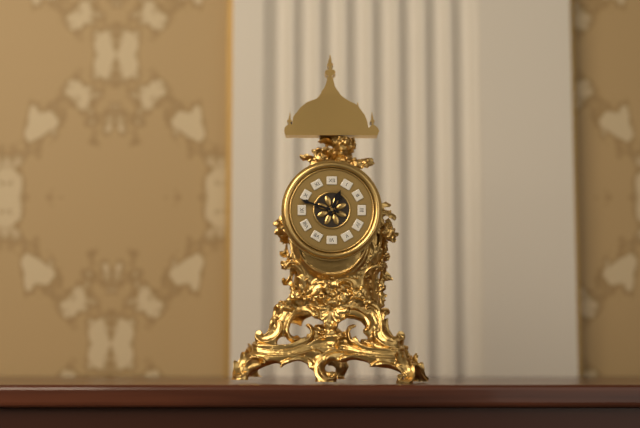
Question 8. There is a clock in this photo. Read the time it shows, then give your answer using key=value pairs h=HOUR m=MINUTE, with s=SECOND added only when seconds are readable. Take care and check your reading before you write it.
h=12 m=48
